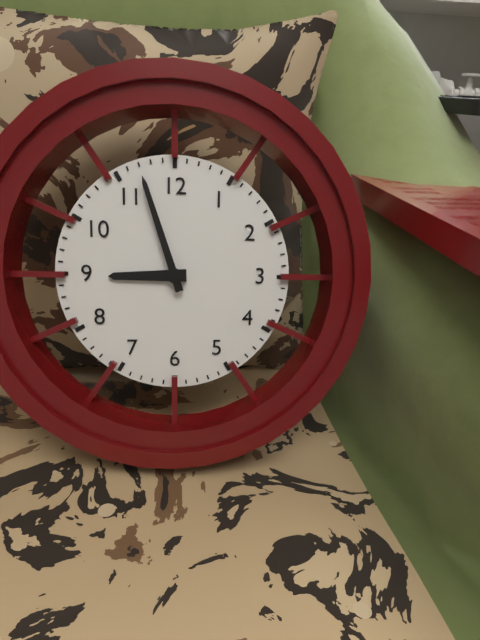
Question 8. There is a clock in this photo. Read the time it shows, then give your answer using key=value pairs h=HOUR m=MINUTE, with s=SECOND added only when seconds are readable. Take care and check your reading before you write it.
h=8 m=57
